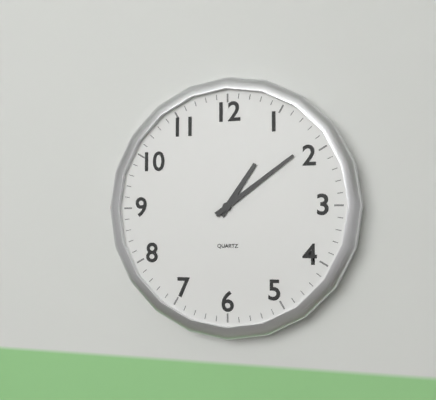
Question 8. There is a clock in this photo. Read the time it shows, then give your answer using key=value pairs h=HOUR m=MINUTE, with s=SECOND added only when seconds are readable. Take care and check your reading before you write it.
h=1 m=9
